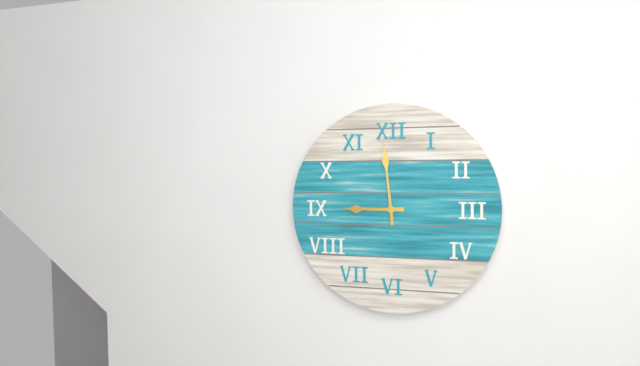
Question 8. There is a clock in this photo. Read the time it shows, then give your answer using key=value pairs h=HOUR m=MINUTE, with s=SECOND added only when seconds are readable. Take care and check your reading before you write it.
h=8 m=59
